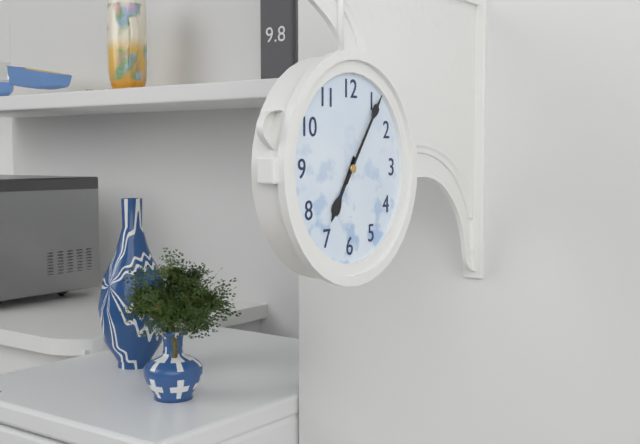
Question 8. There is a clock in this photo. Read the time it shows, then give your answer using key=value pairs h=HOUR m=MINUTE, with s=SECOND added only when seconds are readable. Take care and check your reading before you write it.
h=7 m=6
